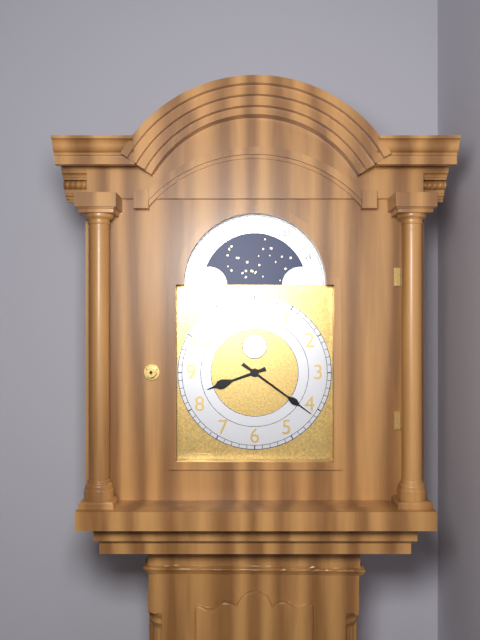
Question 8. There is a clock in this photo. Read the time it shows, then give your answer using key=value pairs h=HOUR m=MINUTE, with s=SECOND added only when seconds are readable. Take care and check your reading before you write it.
h=8 m=21
